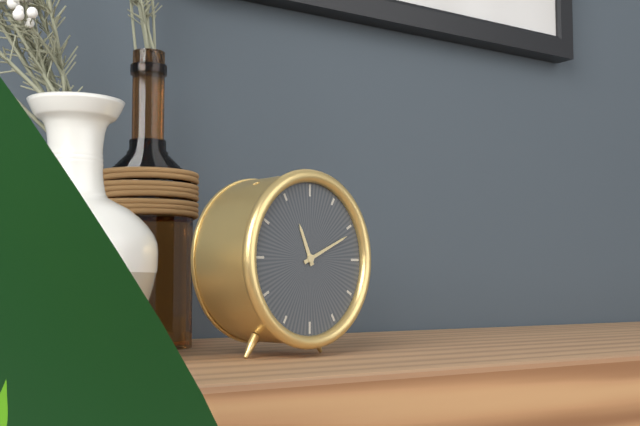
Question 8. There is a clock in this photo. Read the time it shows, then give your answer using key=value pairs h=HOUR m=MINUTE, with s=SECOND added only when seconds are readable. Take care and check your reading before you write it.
h=11 m=11
